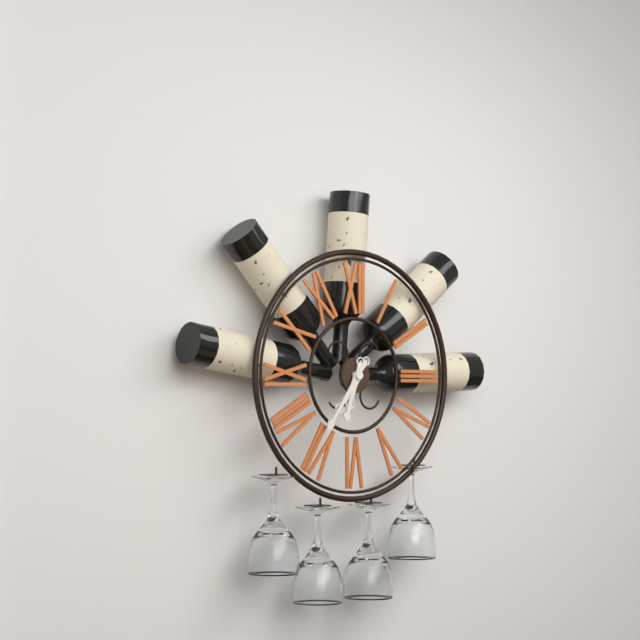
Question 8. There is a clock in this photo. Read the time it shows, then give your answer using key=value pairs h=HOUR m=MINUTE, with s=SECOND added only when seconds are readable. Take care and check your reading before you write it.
h=6 m=36
